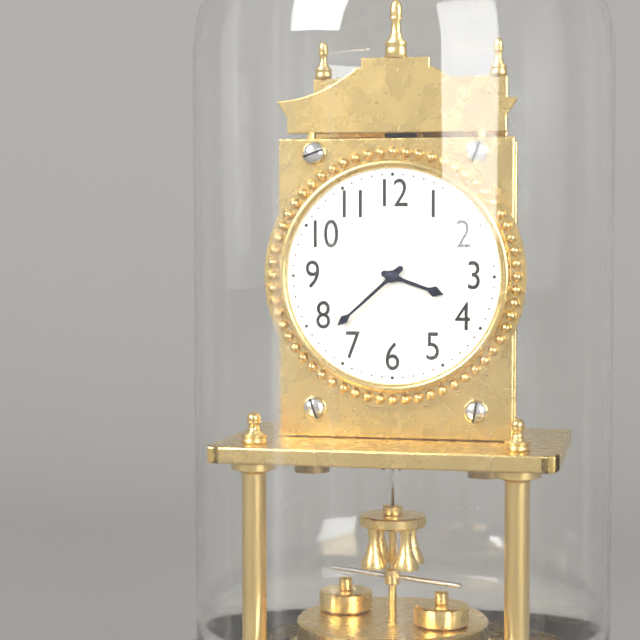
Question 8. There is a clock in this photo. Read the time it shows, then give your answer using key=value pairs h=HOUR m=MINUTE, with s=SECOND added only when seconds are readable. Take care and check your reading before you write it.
h=3 m=38
